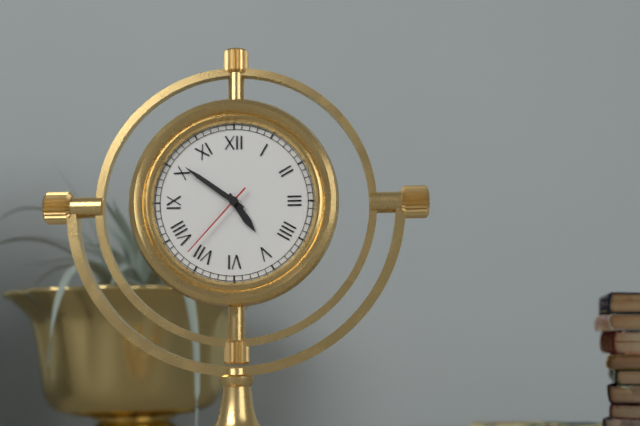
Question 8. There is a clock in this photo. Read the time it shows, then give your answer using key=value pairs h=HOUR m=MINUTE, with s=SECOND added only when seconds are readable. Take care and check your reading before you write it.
h=4 m=51 s=37
